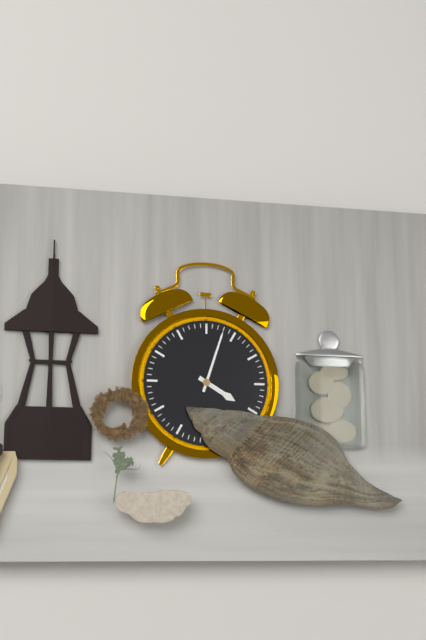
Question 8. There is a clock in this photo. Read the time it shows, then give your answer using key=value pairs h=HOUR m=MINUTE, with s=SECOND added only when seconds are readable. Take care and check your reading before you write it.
h=4 m=3
